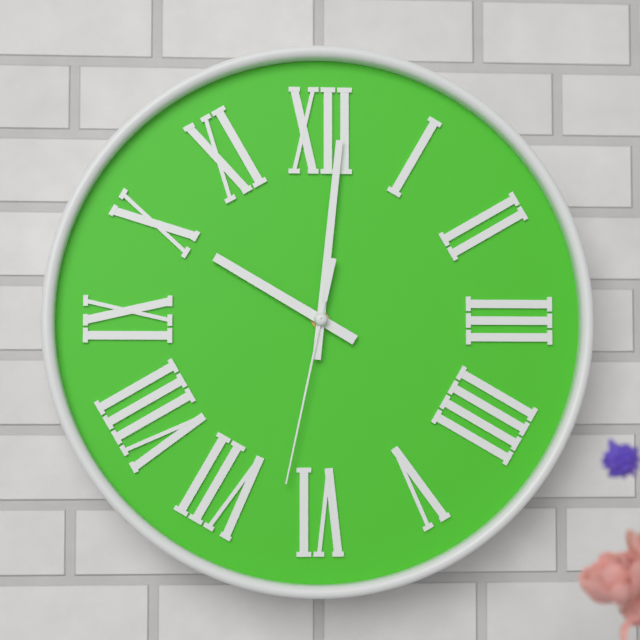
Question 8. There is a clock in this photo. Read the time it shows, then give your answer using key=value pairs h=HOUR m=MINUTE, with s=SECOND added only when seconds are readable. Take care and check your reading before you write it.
h=10 m=1 s=32
